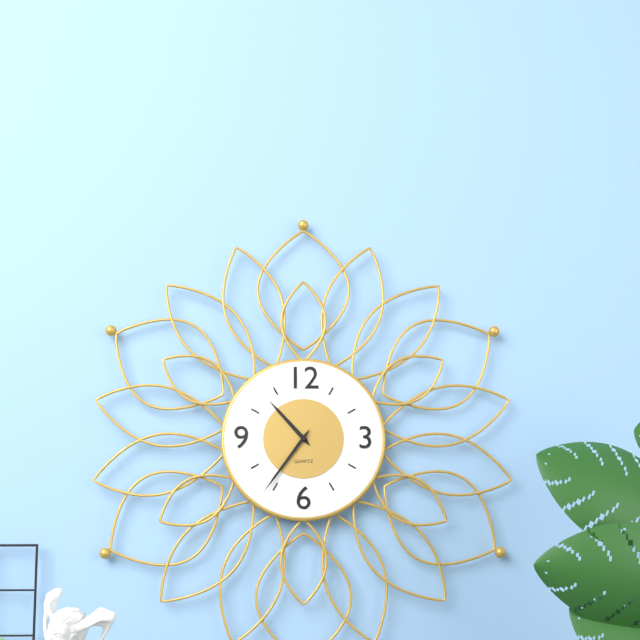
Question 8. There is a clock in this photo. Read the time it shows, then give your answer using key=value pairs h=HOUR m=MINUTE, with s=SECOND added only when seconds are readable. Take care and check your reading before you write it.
h=10 m=36
